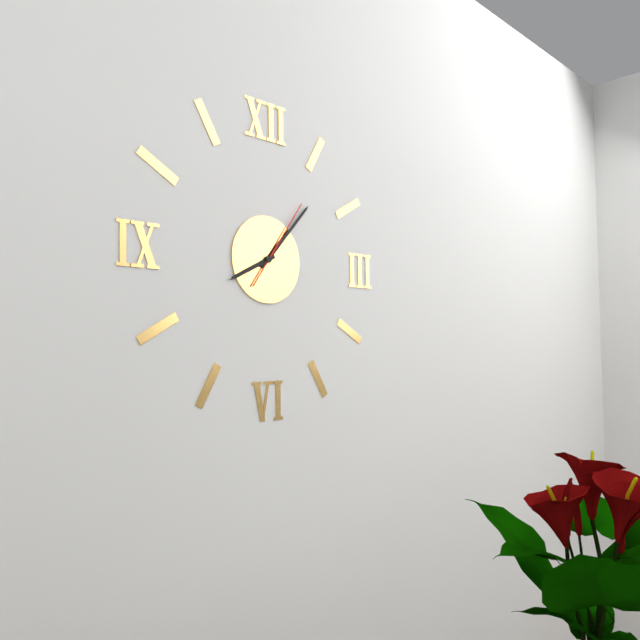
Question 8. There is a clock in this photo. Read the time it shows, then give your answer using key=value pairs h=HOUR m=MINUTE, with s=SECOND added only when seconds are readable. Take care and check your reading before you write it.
h=8 m=7 s=6
